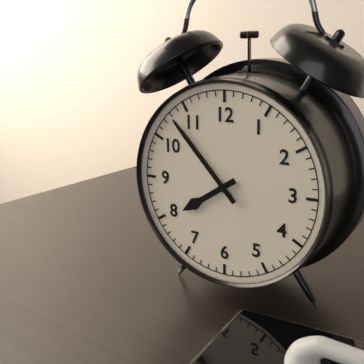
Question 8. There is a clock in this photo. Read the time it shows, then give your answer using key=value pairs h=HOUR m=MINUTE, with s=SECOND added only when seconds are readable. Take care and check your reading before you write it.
h=7 m=53
